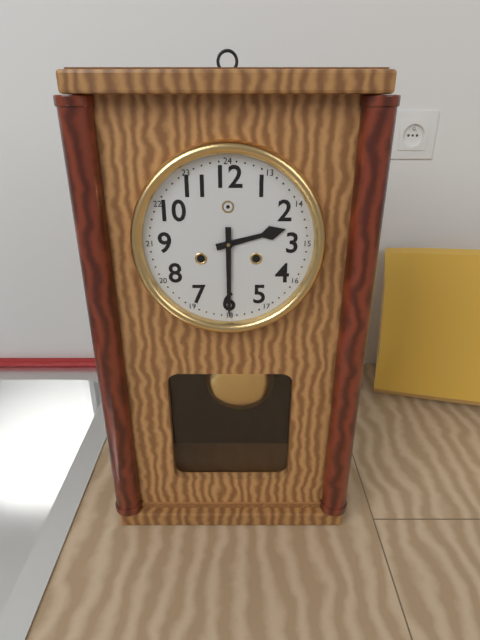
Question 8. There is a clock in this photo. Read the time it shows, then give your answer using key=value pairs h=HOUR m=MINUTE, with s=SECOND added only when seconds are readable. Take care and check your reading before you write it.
h=2 m=30
